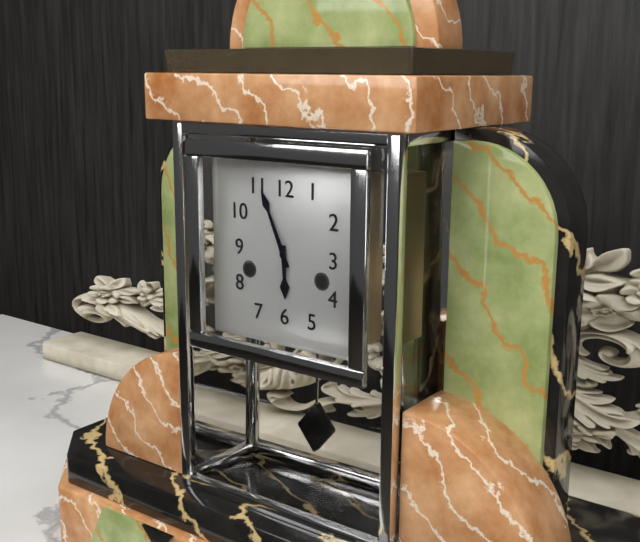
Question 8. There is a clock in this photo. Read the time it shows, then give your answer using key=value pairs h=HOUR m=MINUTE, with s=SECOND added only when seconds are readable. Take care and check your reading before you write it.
h=5 m=56
